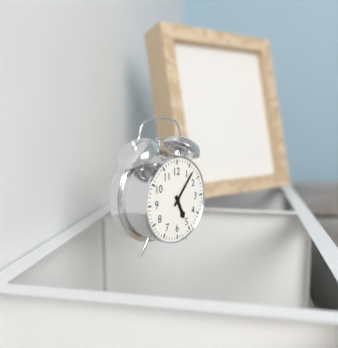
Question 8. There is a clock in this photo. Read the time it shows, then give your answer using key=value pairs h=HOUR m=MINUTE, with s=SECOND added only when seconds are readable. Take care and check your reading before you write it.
h=5 m=7
